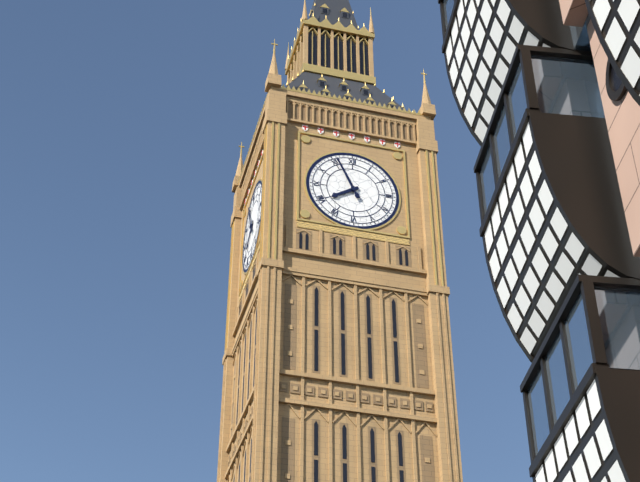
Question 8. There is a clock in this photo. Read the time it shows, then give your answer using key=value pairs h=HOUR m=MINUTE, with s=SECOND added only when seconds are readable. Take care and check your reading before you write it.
h=7 m=56
